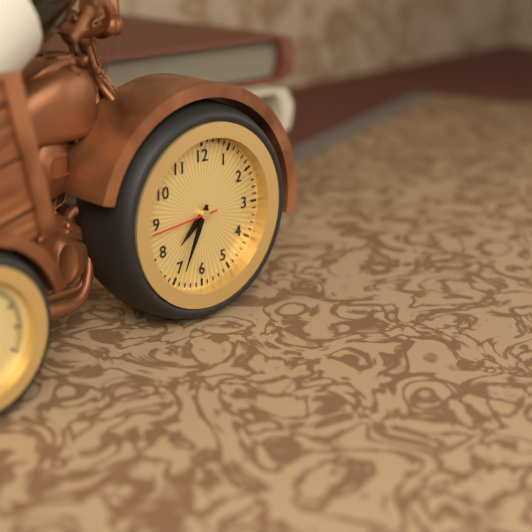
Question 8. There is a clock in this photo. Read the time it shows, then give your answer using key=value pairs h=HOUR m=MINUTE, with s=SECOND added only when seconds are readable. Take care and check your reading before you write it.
h=7 m=34 s=44
